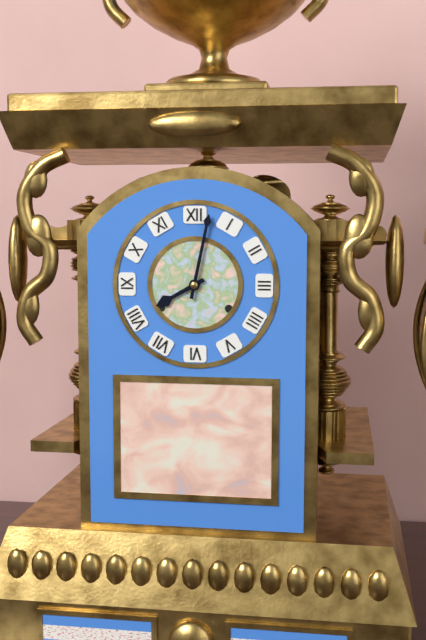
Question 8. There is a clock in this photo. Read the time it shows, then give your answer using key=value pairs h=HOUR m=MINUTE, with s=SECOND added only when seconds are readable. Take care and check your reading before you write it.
h=8 m=2
